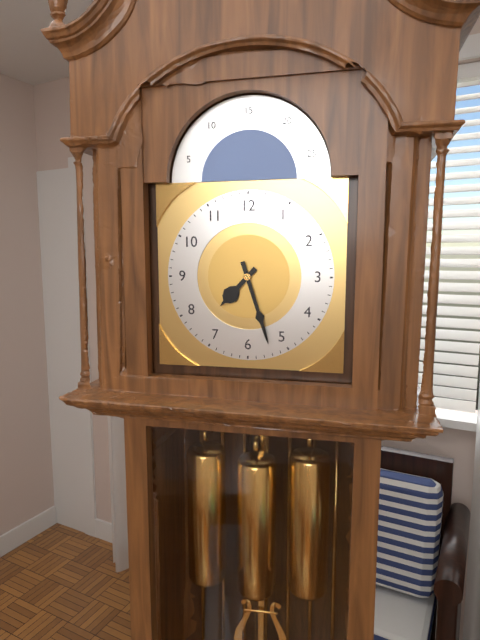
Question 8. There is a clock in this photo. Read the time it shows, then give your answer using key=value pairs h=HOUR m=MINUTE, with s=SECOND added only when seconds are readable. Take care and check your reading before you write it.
h=7 m=27
